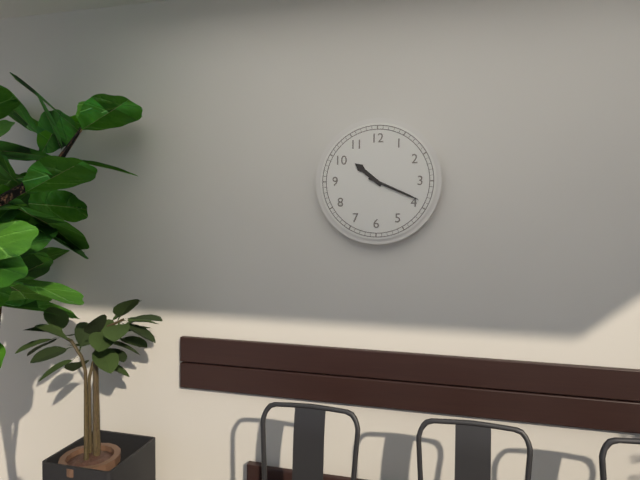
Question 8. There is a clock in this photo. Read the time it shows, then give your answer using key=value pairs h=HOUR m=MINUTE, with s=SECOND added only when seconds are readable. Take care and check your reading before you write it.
h=10 m=19
